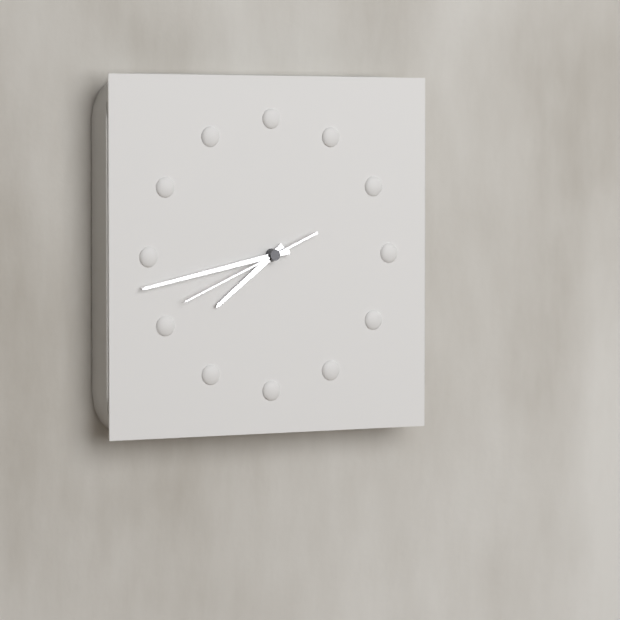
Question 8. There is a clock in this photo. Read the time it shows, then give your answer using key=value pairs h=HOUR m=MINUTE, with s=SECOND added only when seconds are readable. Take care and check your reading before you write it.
h=7 m=43 s=41
